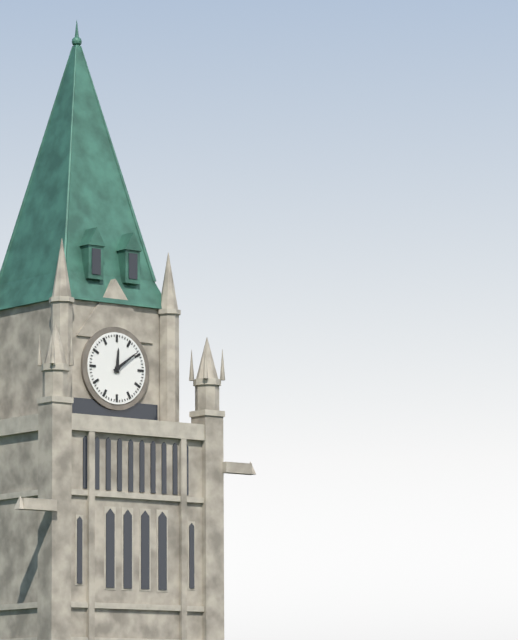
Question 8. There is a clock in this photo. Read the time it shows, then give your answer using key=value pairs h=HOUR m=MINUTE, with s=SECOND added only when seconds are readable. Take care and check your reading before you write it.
h=12 m=9
